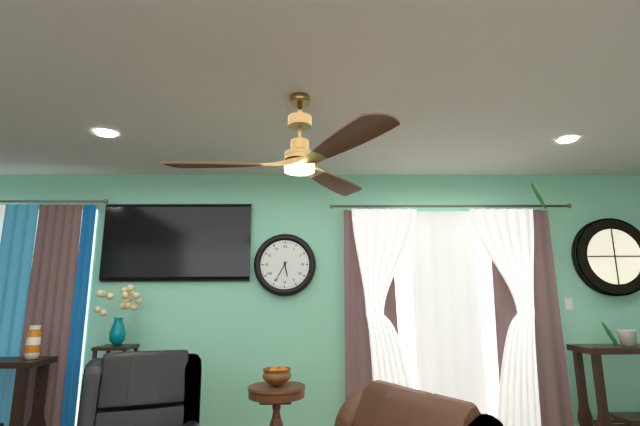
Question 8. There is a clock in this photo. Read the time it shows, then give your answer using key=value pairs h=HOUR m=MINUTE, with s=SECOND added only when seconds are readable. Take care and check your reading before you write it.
h=5 m=35
